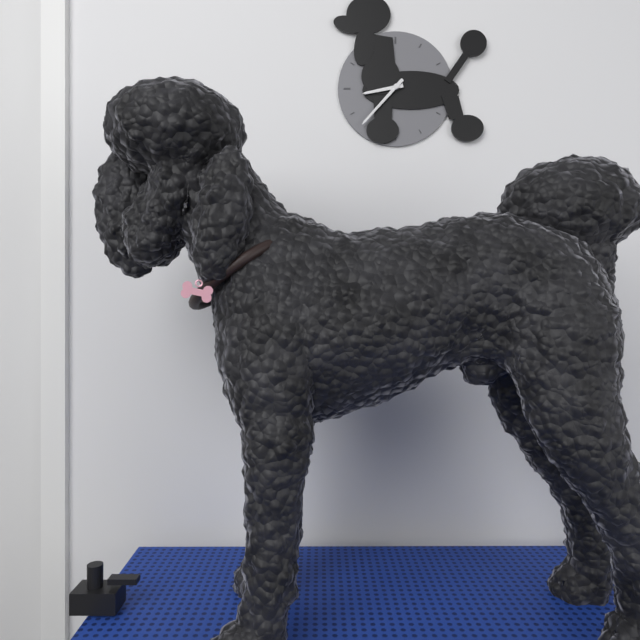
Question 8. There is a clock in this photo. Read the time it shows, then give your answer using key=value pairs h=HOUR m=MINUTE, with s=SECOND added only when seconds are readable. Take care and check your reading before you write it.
h=8 m=37
